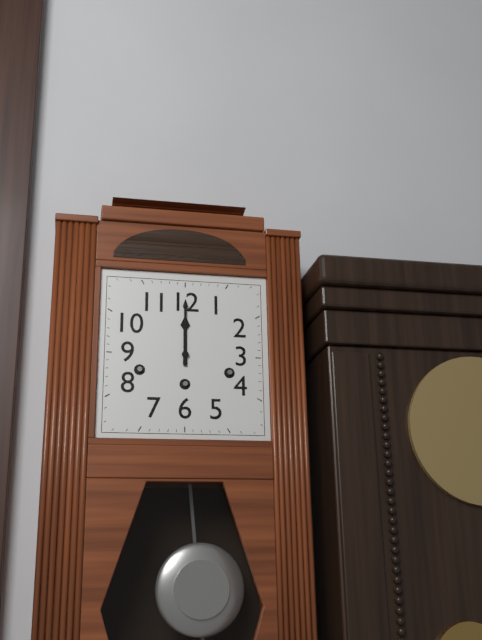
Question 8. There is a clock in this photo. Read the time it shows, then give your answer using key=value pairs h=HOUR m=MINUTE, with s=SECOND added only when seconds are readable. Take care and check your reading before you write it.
h=12 m=0
